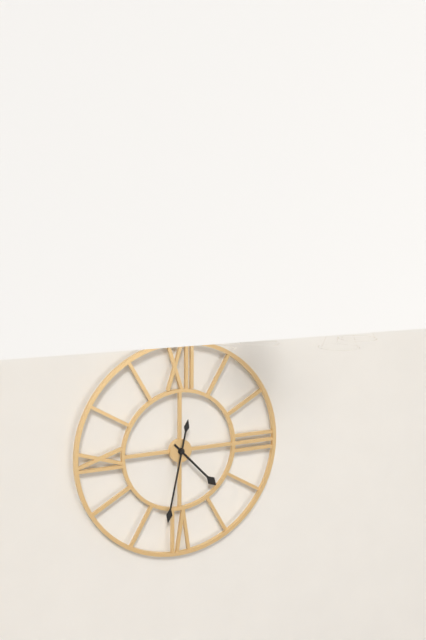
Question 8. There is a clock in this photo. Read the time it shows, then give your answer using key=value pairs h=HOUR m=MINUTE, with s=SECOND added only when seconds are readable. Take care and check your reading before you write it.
h=4 m=32
